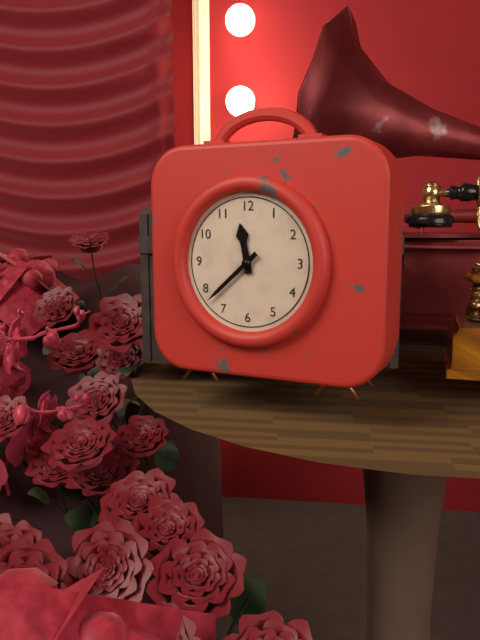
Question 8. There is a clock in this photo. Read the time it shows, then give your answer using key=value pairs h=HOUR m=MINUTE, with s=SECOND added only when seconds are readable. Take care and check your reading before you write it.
h=11 m=38
